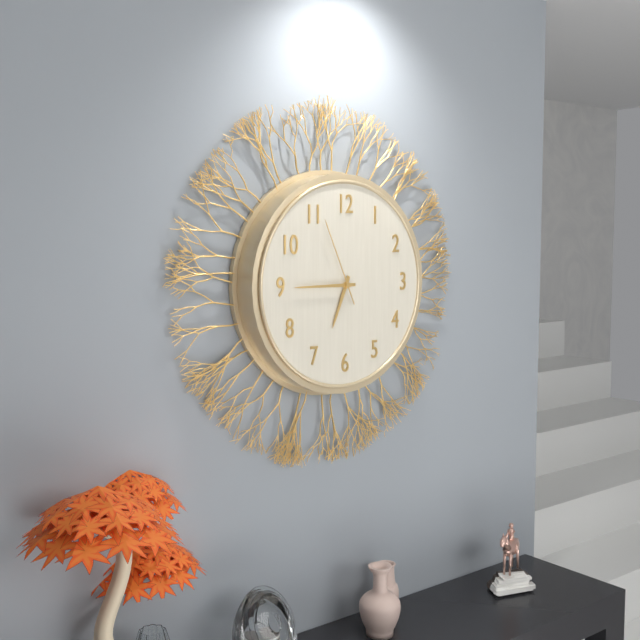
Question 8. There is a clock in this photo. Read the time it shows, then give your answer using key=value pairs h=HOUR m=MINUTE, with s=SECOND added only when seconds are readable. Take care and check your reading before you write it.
h=6 m=45 s=56
